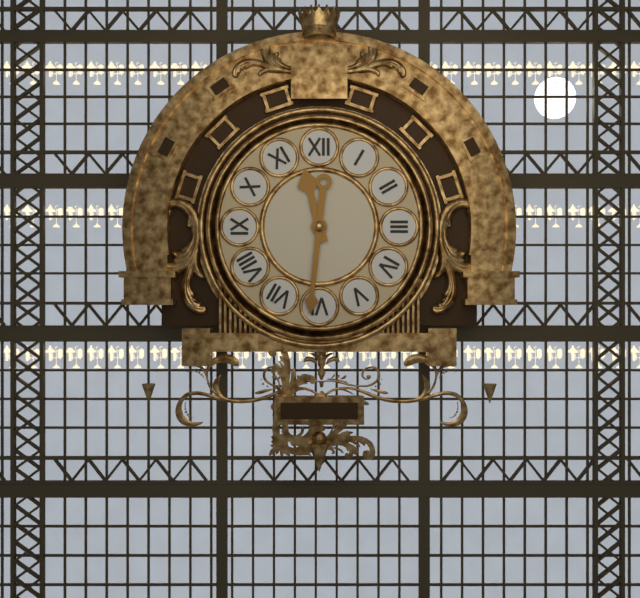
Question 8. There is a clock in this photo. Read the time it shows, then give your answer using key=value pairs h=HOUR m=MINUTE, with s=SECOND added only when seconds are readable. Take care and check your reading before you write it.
h=11 m=31
